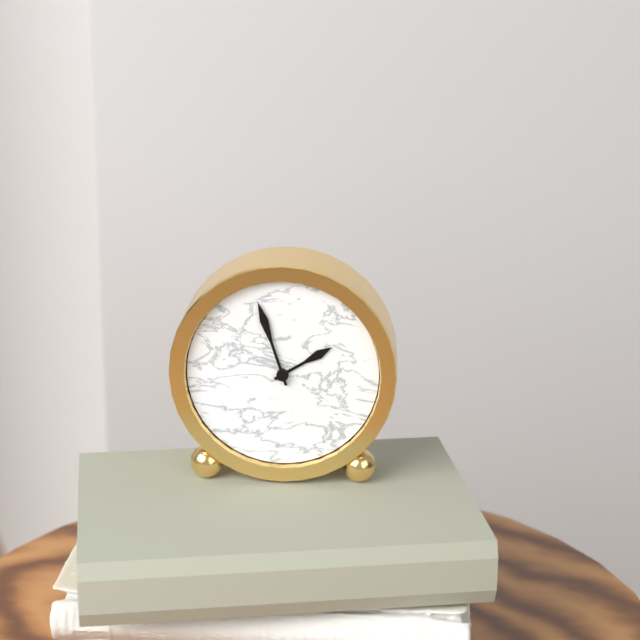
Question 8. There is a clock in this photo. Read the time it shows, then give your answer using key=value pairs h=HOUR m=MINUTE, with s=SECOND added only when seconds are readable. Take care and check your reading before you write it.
h=1 m=57
